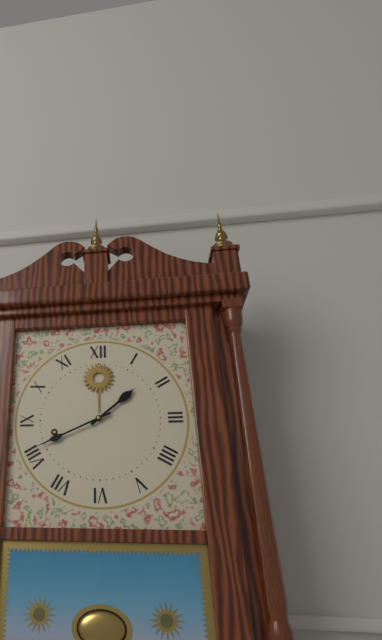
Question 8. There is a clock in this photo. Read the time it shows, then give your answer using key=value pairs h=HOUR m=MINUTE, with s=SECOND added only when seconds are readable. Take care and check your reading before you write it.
h=1 m=41
